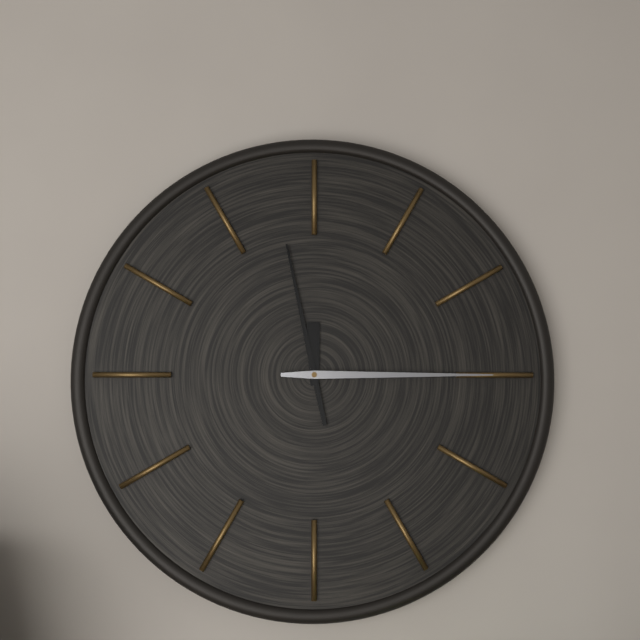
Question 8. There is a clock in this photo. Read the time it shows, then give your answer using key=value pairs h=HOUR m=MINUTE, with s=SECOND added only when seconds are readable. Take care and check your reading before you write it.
h=11 m=58 s=15
